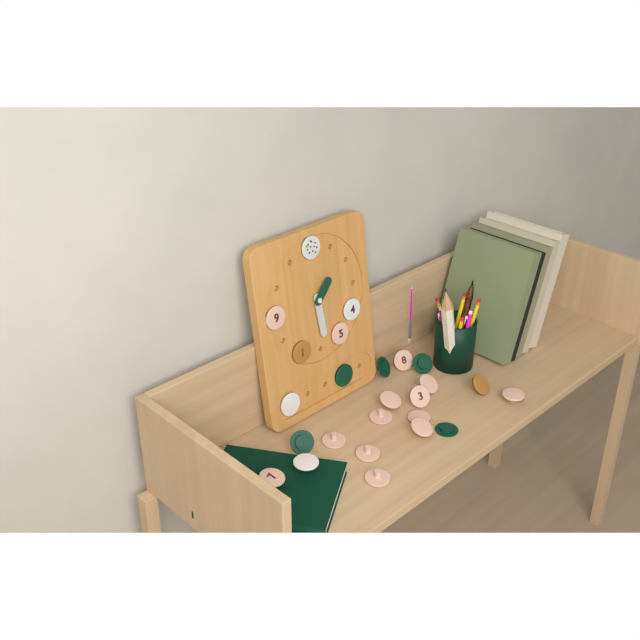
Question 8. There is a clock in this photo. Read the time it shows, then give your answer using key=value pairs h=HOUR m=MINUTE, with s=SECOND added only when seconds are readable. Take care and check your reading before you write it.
h=1 m=29
